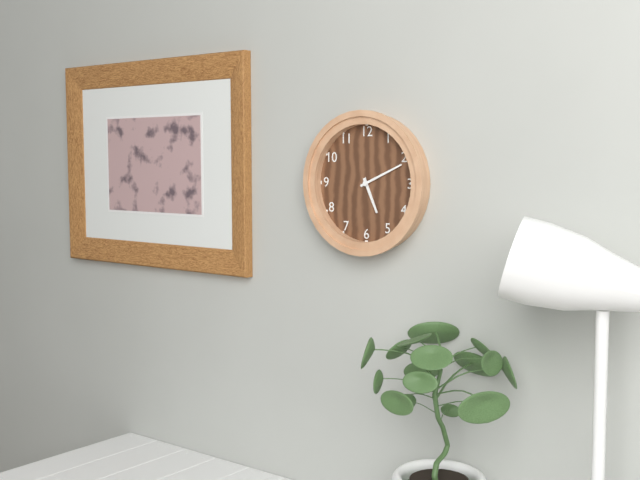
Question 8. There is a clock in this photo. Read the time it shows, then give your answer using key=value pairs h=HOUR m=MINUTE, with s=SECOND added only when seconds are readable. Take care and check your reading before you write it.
h=5 m=11
